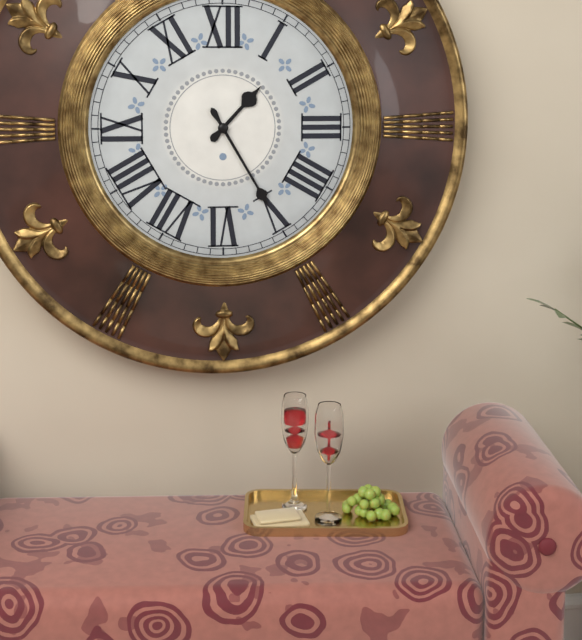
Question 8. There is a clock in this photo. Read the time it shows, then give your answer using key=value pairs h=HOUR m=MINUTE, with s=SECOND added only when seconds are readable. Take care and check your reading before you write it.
h=1 m=25
